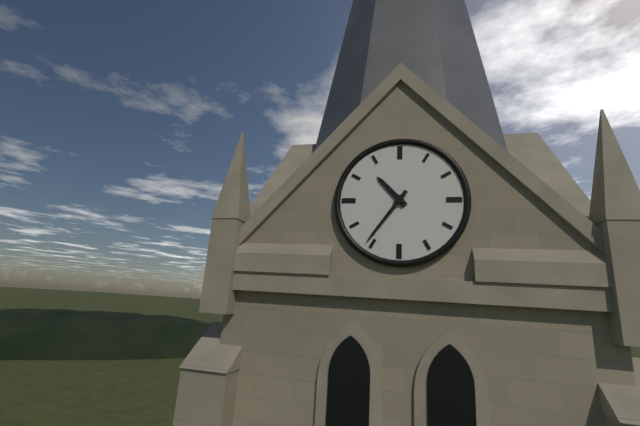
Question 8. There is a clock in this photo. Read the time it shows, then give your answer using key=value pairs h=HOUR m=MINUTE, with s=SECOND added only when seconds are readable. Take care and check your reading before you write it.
h=10 m=36
